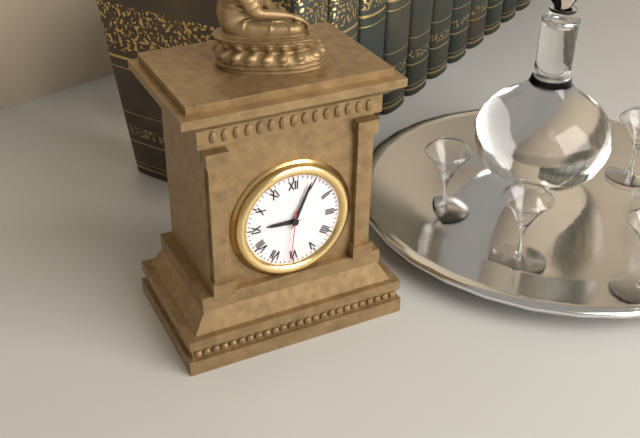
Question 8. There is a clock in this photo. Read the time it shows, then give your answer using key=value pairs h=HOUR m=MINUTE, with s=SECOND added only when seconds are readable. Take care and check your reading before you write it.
h=9 m=4 s=31
